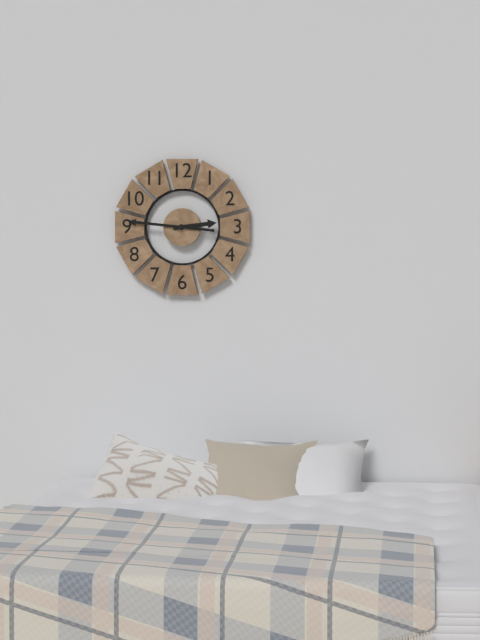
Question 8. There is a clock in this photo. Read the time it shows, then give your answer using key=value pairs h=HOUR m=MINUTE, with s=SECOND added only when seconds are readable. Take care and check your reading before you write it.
h=2 m=46
